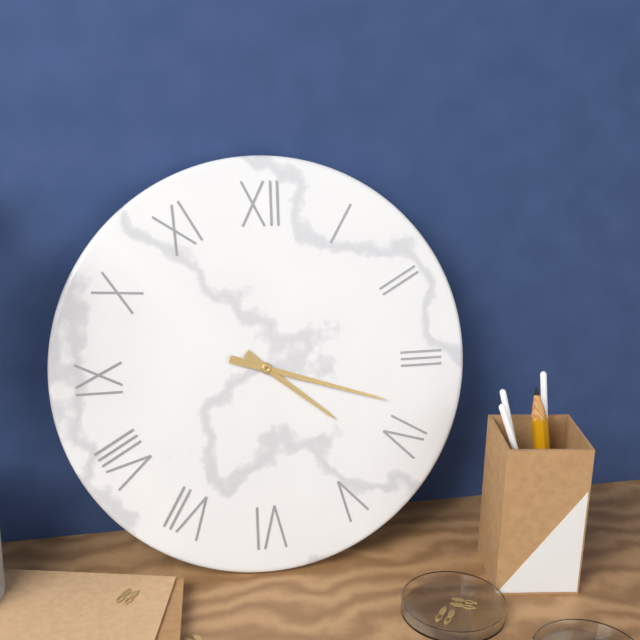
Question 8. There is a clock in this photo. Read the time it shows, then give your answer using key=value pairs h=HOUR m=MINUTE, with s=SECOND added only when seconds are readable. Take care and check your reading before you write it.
h=4 m=18
